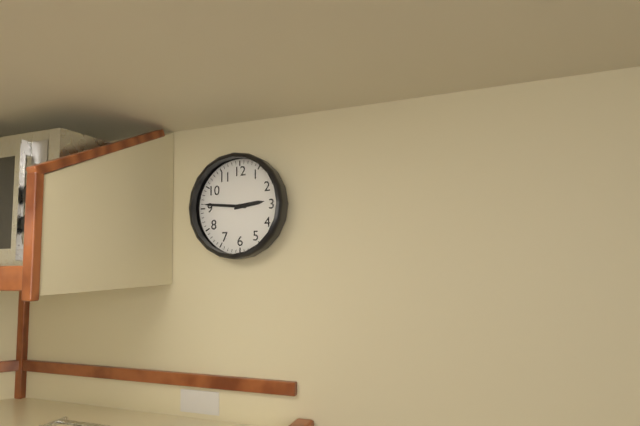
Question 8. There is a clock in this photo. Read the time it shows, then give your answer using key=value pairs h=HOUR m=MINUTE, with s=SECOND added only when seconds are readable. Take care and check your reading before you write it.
h=2 m=46
